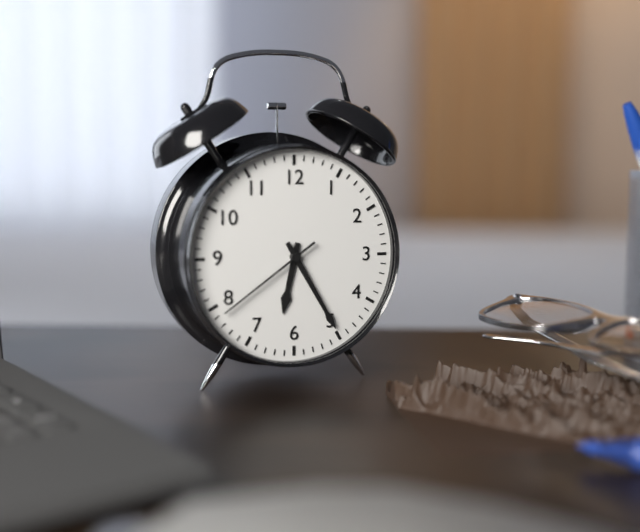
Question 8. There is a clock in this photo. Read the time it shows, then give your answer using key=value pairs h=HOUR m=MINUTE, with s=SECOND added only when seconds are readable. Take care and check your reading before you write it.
h=6 m=25 s=39
